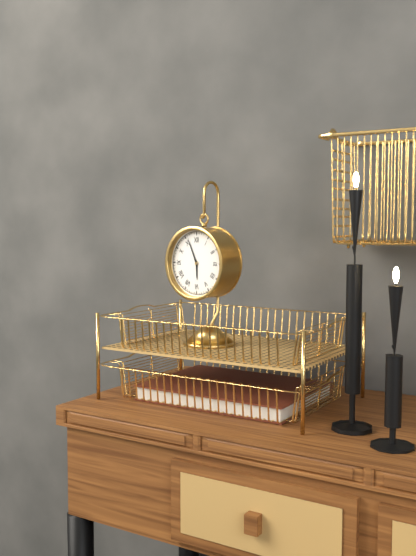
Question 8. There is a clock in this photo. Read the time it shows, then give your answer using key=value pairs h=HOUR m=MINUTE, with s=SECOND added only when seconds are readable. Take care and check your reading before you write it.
h=5 m=56
